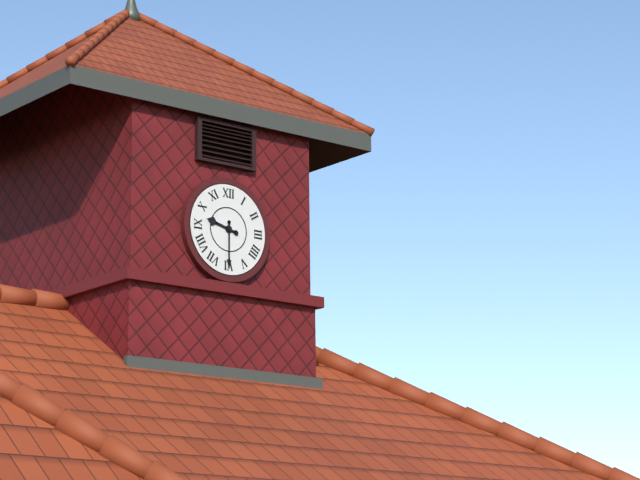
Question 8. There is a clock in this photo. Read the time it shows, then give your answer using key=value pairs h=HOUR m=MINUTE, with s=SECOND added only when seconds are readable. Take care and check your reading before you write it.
h=9 m=30
